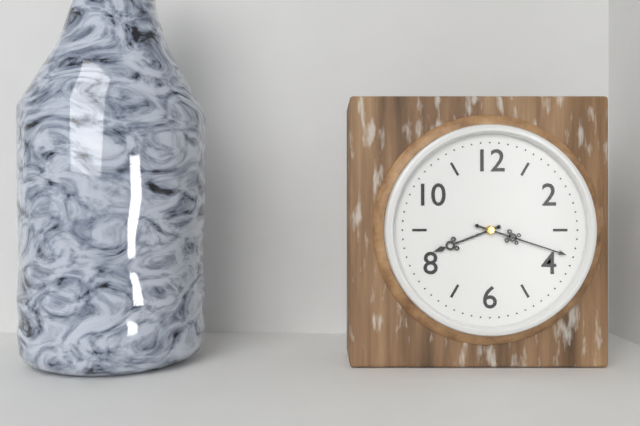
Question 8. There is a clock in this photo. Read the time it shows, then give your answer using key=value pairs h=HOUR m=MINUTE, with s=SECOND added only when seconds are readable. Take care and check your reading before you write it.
h=8 m=18
